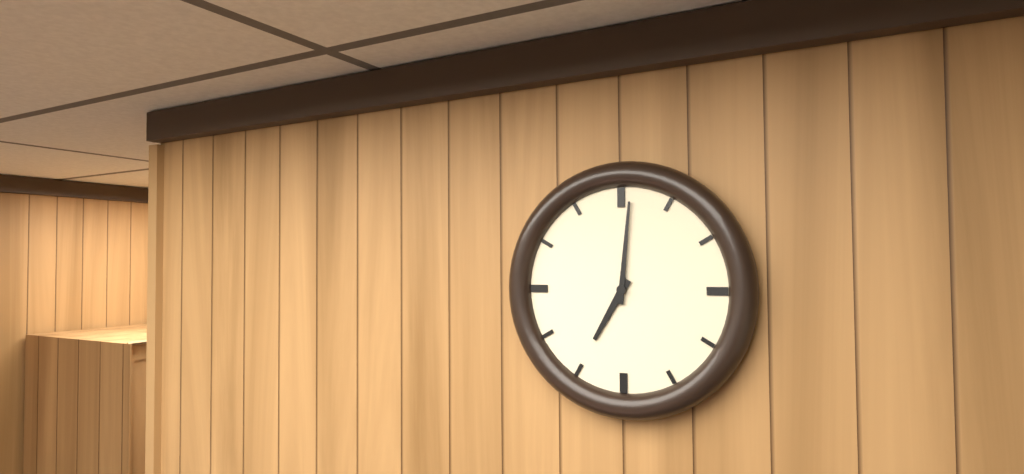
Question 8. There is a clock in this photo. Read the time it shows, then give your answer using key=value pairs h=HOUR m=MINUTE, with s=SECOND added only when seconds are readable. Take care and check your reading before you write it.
h=7 m=1
